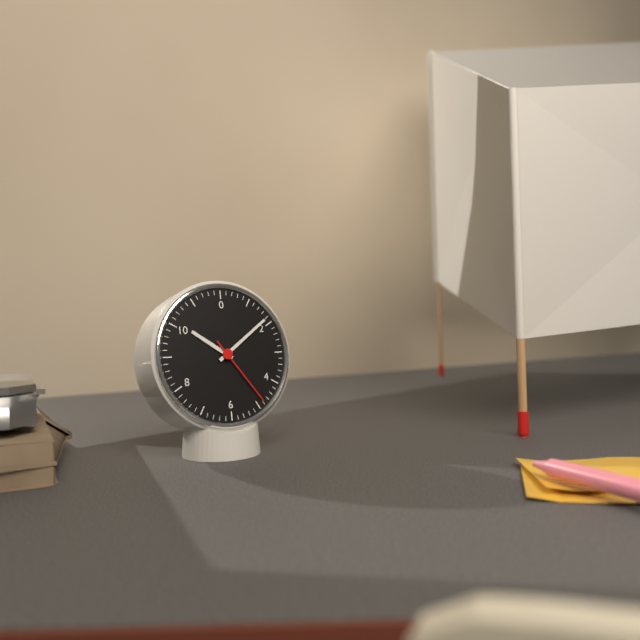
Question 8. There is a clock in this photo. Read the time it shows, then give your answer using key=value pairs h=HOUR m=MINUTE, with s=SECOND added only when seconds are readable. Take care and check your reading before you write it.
h=10 m=9 s=24
